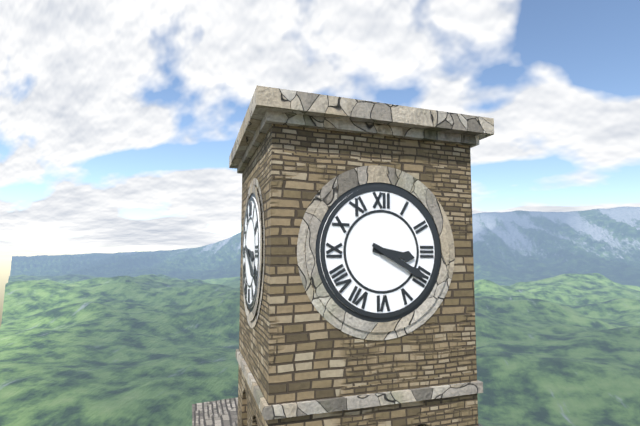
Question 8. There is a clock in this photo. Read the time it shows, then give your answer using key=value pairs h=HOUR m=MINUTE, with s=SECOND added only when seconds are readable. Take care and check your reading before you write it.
h=3 m=20
